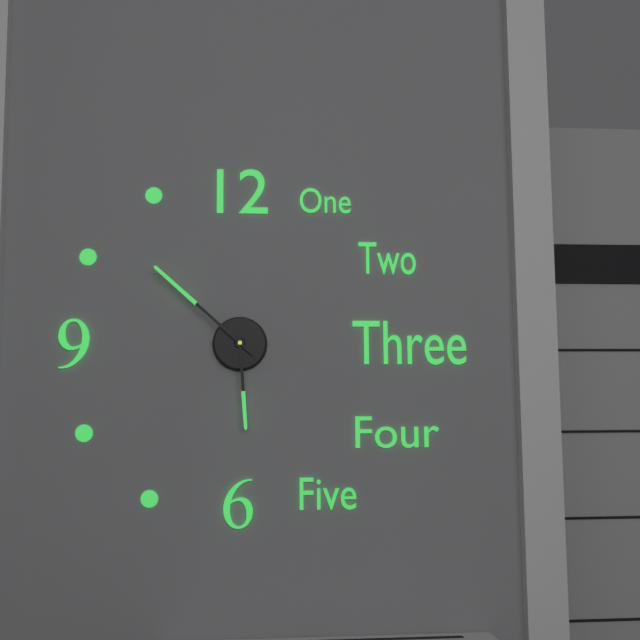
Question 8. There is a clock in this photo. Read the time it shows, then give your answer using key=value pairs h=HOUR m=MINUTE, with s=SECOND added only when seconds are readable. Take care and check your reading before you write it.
h=5 m=52
